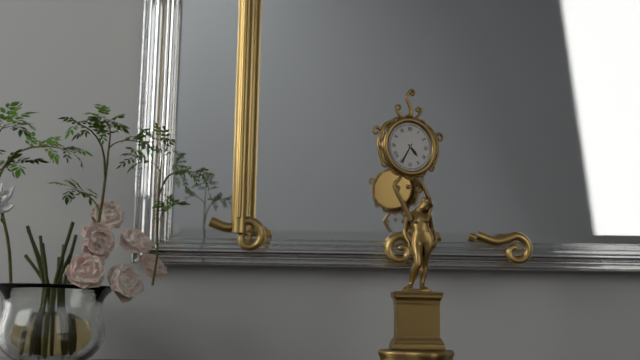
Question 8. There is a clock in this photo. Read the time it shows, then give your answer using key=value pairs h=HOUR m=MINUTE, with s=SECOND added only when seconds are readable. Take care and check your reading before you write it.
h=4 m=35
